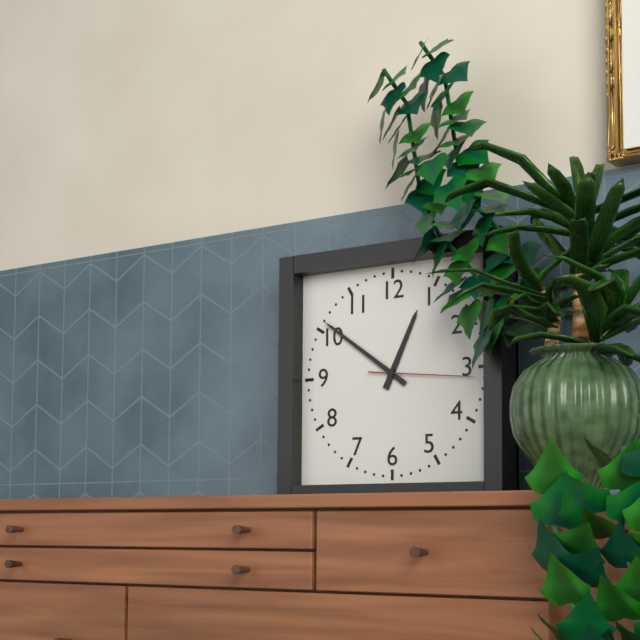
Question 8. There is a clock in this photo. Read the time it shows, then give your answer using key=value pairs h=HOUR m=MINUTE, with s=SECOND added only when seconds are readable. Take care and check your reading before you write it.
h=12 m=51 s=16
